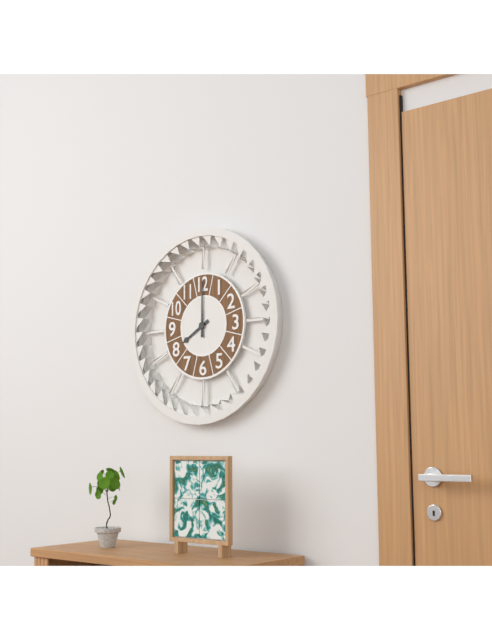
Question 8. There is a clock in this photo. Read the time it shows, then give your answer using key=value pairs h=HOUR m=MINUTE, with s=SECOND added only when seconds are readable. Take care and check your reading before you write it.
h=8 m=0
